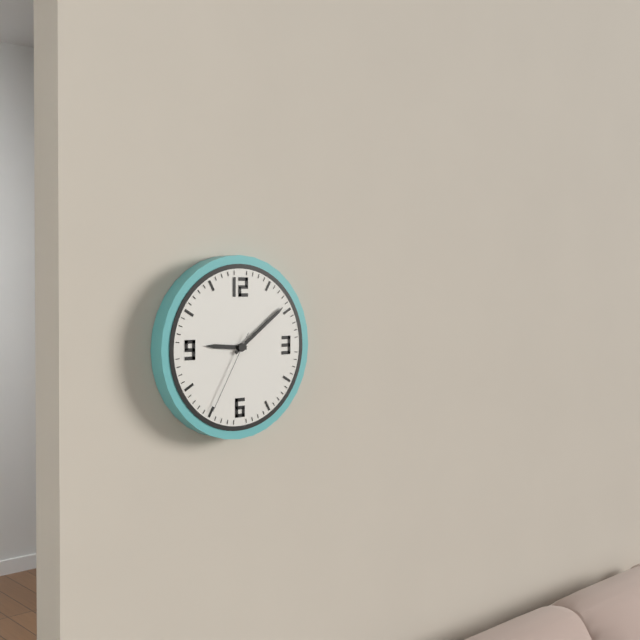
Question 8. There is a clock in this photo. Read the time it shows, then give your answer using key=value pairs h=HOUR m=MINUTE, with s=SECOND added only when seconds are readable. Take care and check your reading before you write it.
h=9 m=9 s=35
